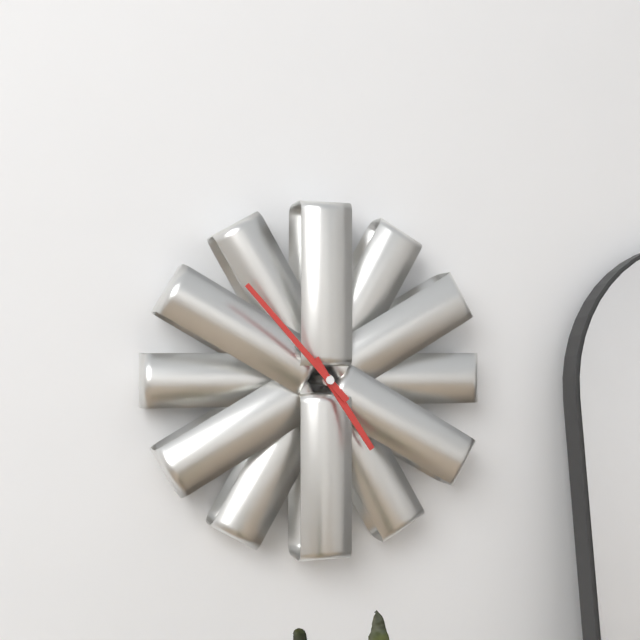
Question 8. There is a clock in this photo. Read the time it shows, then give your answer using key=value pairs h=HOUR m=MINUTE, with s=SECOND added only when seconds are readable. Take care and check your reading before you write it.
h=4 m=53
